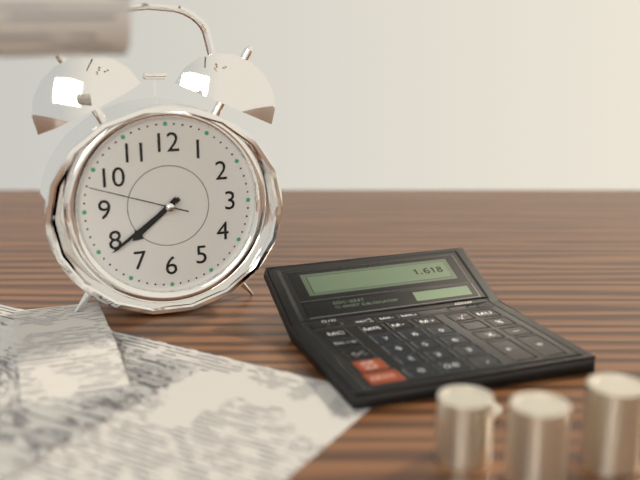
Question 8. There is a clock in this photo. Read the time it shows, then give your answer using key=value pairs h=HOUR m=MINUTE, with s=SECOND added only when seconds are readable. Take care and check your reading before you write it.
h=7 m=39 s=48
